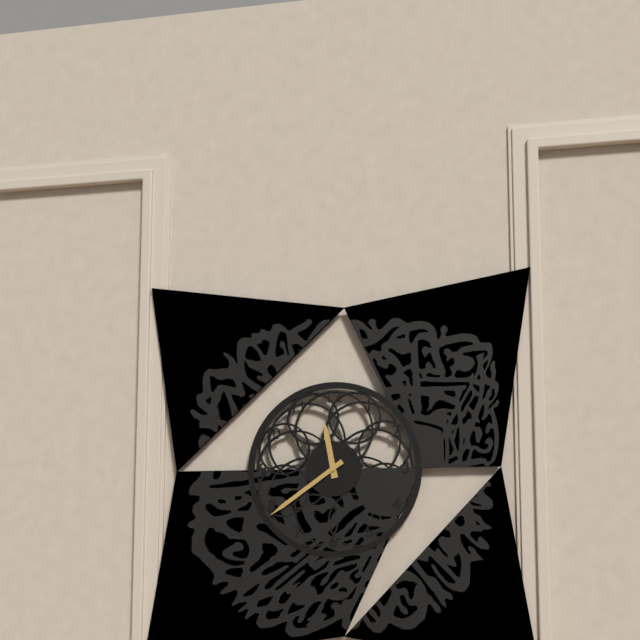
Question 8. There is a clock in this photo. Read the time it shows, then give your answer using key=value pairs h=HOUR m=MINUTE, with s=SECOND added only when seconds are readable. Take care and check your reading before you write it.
h=11 m=39
